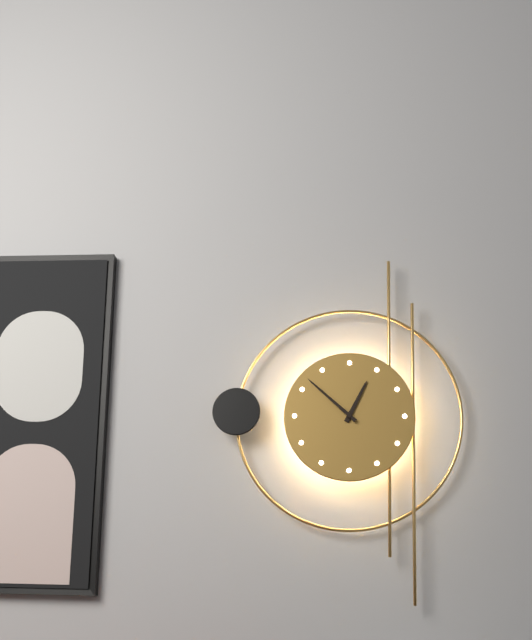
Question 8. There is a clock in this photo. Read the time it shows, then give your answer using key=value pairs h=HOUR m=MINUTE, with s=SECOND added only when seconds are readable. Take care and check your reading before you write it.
h=12 m=52
